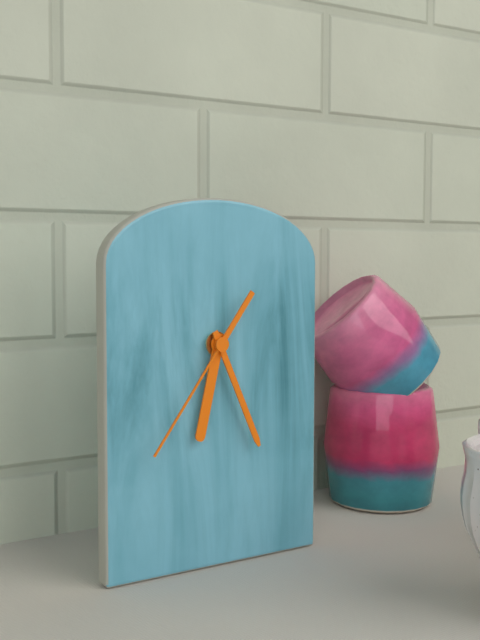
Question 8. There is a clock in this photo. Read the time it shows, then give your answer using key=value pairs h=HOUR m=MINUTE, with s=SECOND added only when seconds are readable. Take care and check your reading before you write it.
h=6 m=26 s=36
